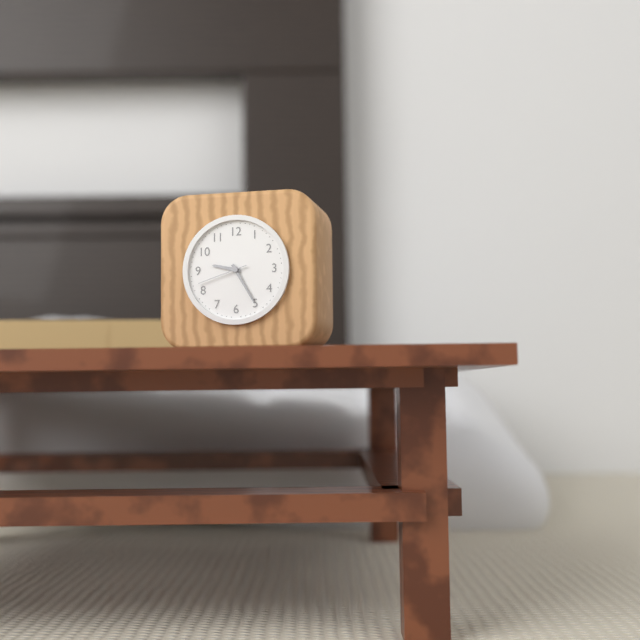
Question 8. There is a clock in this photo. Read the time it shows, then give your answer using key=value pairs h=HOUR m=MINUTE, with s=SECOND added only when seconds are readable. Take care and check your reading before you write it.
h=9 m=25
